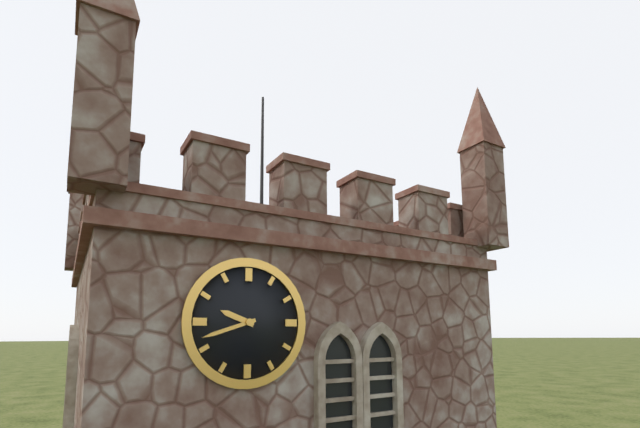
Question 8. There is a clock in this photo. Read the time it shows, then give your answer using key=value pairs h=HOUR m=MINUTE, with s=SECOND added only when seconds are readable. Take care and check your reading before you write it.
h=9 m=42
